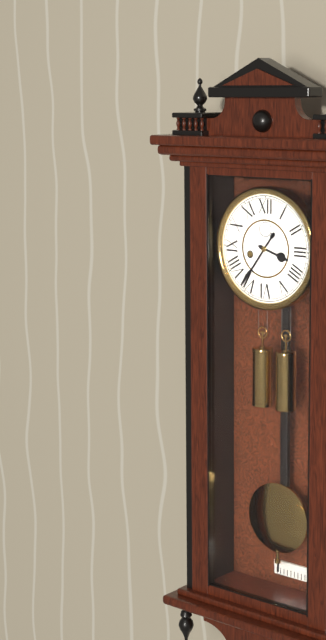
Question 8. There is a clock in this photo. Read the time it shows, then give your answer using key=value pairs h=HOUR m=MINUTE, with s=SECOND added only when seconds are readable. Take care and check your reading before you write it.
h=3 m=36
